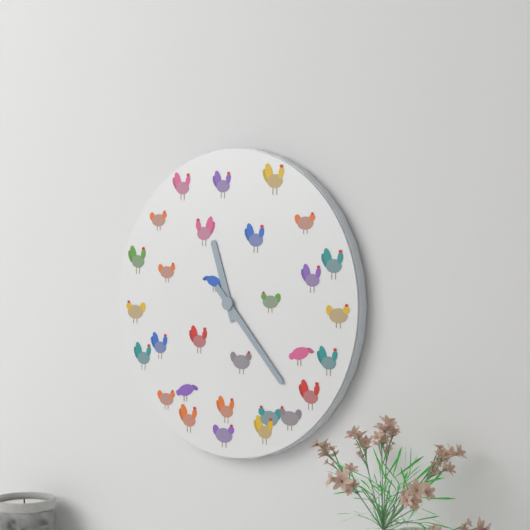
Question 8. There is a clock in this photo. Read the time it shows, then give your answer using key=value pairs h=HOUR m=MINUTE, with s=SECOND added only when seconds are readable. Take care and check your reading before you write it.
h=11 m=23
